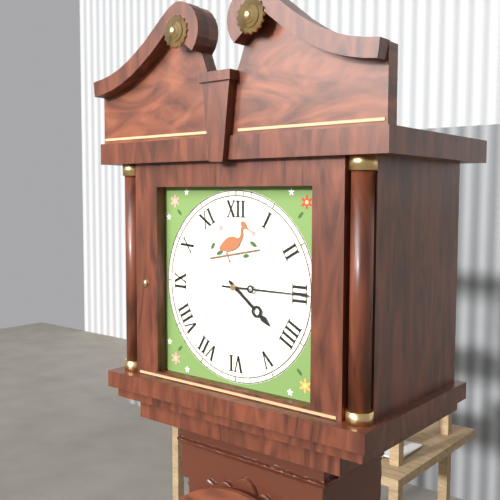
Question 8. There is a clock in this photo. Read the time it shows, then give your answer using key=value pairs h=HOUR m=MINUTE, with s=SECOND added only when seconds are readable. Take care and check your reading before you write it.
h=4 m=15
